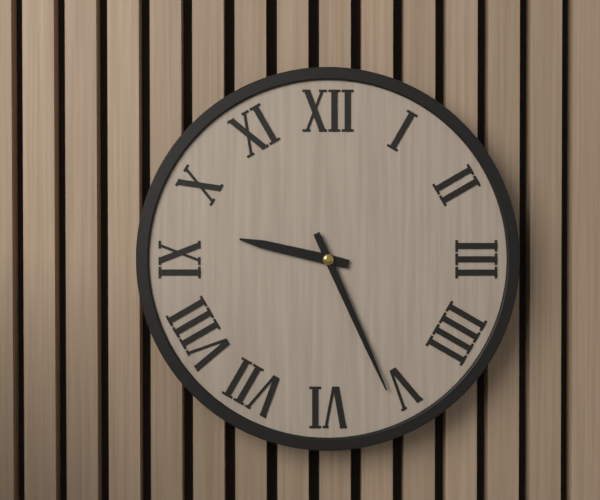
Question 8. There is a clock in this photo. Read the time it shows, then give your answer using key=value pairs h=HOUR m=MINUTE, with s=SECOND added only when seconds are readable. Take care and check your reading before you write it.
h=9 m=26
